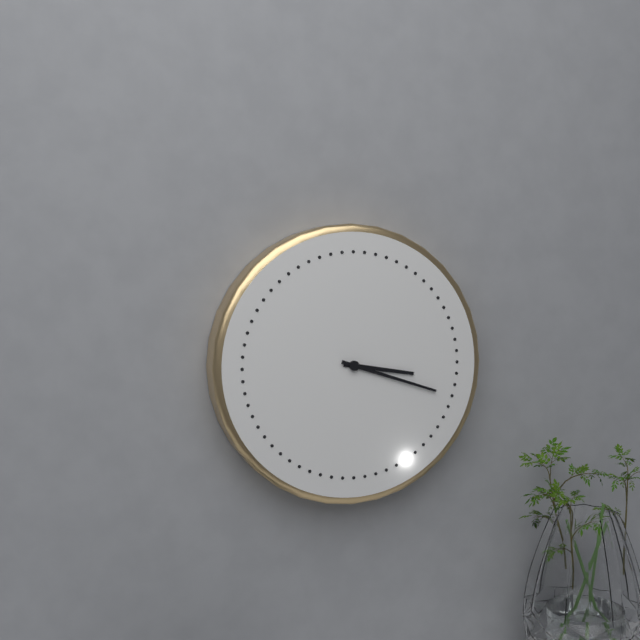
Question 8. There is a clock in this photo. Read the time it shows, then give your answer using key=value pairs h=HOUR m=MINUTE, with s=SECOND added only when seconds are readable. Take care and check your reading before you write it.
h=3 m=18
